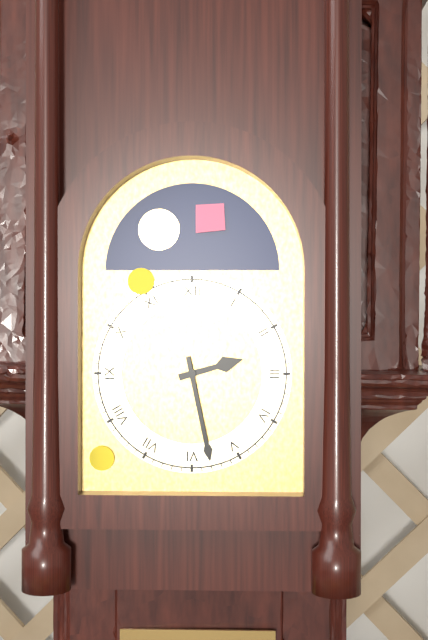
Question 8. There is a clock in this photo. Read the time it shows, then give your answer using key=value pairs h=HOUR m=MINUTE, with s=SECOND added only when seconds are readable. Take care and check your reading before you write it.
h=2 m=28
